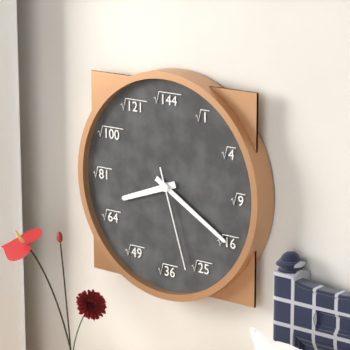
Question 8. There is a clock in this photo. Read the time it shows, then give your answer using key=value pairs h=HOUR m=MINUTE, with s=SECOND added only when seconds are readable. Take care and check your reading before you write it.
h=8 m=20 s=27
